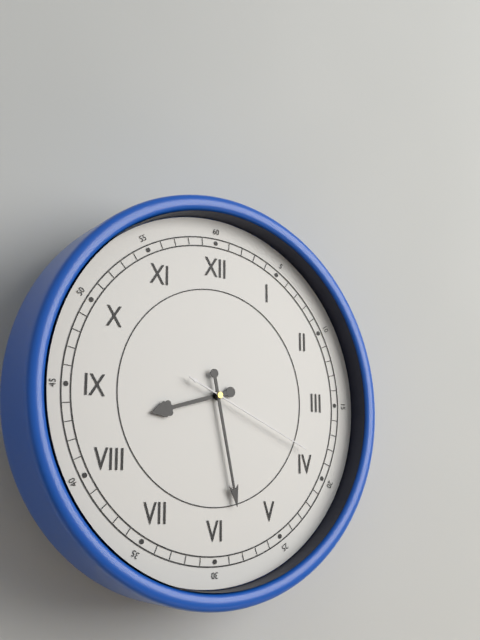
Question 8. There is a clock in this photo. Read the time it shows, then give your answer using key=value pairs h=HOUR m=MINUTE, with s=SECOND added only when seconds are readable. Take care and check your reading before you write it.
h=8 m=28 s=19
